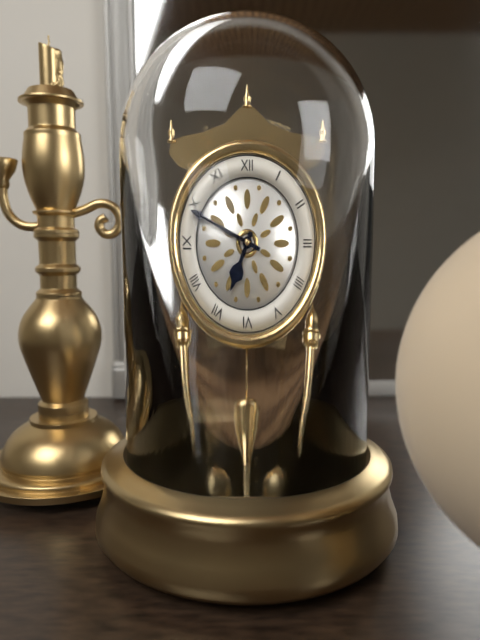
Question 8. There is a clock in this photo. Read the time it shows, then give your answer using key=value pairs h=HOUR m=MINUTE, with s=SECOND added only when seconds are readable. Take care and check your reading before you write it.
h=6 m=49
